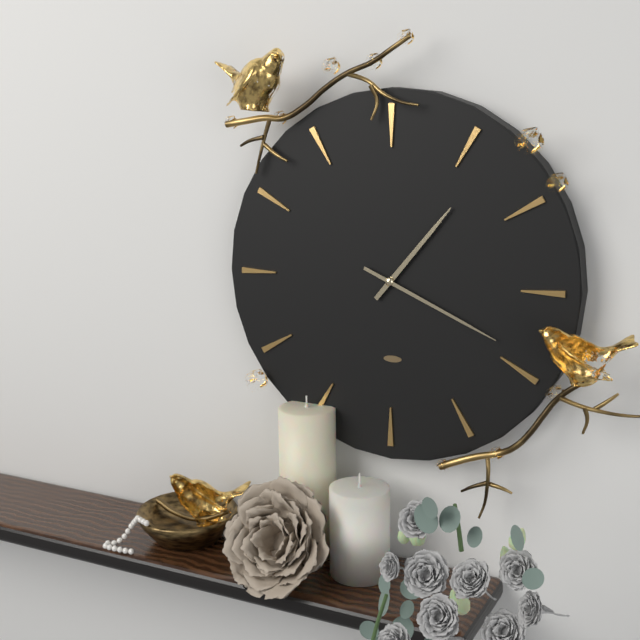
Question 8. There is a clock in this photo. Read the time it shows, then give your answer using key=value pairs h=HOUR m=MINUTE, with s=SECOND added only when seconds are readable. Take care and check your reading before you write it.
h=1 m=19
